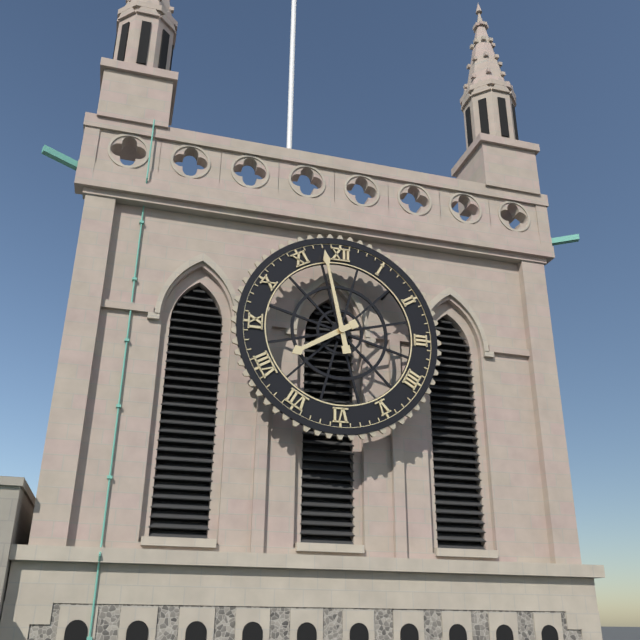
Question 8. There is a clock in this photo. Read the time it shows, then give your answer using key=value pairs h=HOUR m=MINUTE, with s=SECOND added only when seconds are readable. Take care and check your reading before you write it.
h=7 m=58
